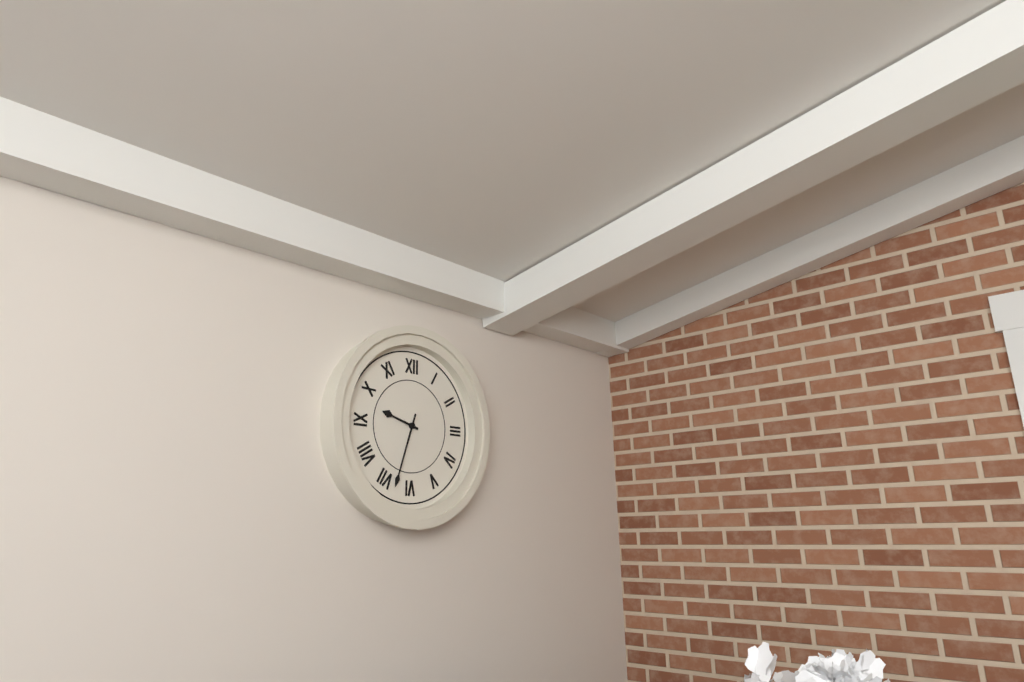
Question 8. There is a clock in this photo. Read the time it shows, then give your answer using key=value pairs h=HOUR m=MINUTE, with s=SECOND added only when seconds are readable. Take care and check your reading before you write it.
h=9 m=33
